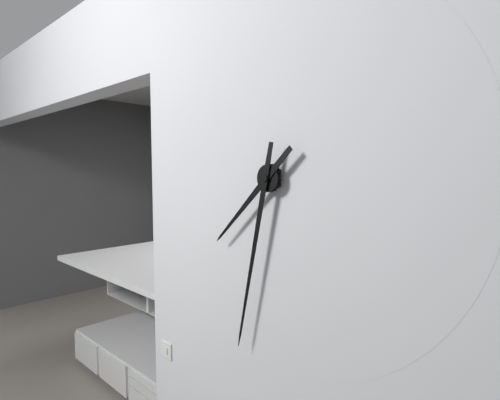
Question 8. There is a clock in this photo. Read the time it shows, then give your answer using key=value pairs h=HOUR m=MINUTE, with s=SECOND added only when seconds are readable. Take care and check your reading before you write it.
h=7 m=32
